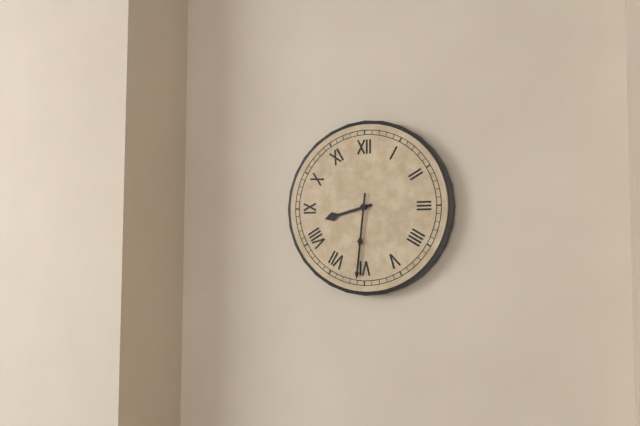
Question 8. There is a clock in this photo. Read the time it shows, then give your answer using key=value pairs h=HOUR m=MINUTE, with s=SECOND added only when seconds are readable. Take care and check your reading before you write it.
h=8 m=31
